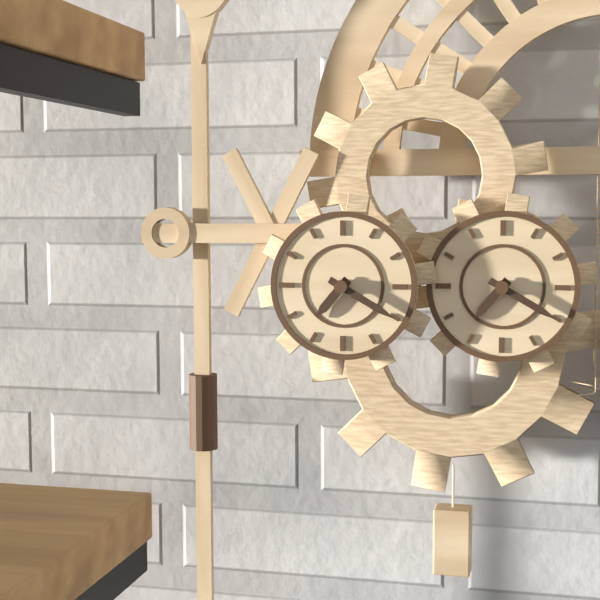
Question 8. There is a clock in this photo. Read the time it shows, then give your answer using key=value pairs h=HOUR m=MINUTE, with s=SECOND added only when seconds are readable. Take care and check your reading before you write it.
h=7 m=20
